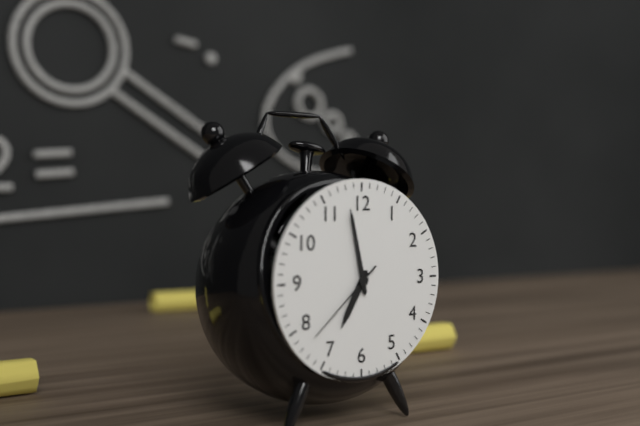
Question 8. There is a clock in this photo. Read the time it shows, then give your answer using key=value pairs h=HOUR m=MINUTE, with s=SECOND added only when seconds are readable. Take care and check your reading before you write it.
h=6 m=58 s=38
